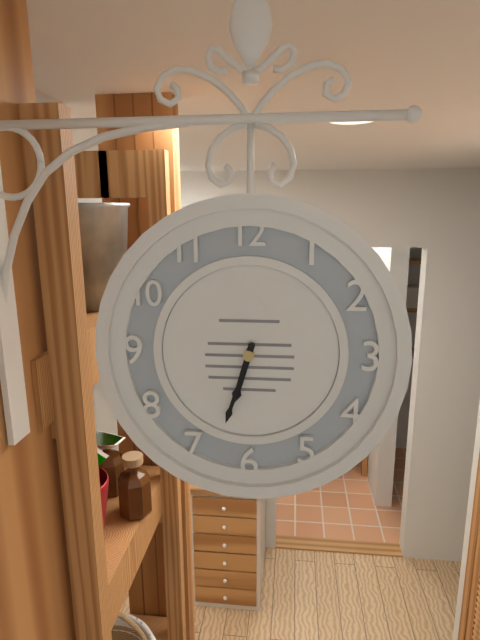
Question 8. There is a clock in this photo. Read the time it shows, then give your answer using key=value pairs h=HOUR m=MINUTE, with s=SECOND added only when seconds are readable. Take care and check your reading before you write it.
h=6 m=33
